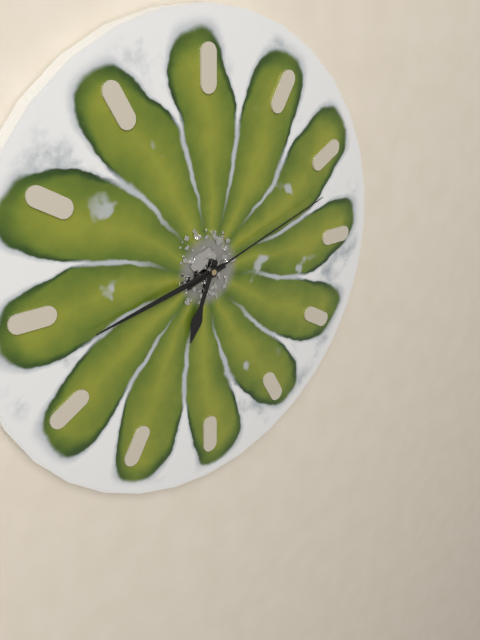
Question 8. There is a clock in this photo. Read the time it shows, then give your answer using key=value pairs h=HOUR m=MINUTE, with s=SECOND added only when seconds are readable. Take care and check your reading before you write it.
h=6 m=43 s=12
